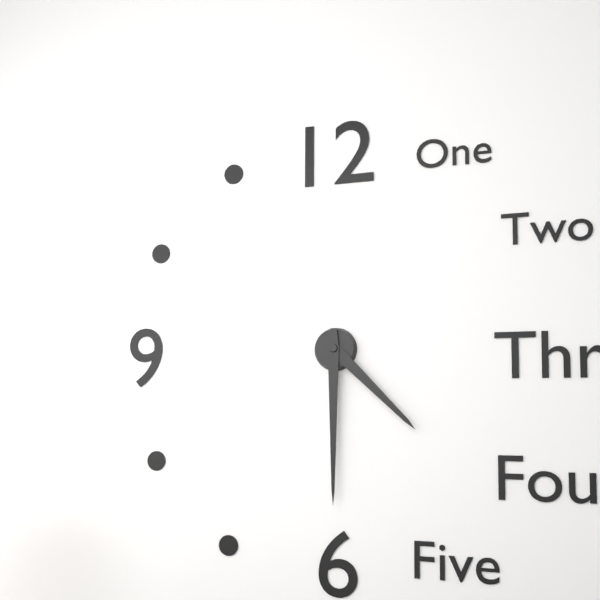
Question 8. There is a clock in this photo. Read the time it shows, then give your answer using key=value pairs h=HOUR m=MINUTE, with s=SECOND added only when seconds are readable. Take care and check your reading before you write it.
h=4 m=30
